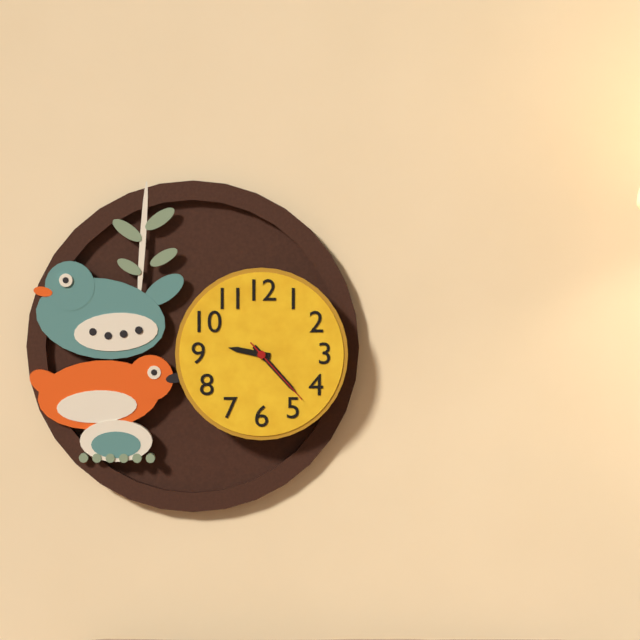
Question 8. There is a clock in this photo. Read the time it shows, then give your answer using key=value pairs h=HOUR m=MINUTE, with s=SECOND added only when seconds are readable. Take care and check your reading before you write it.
h=9 m=23 s=23
